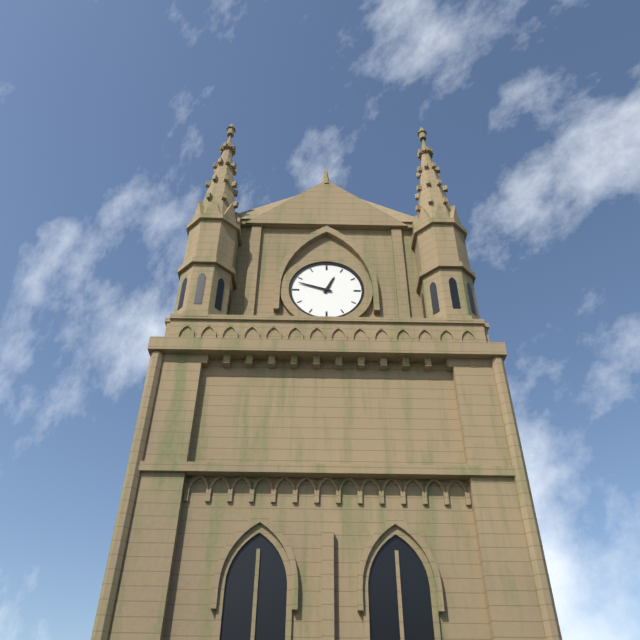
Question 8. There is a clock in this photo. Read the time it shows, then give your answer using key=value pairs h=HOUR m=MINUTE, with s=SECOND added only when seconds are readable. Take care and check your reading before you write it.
h=12 m=48
